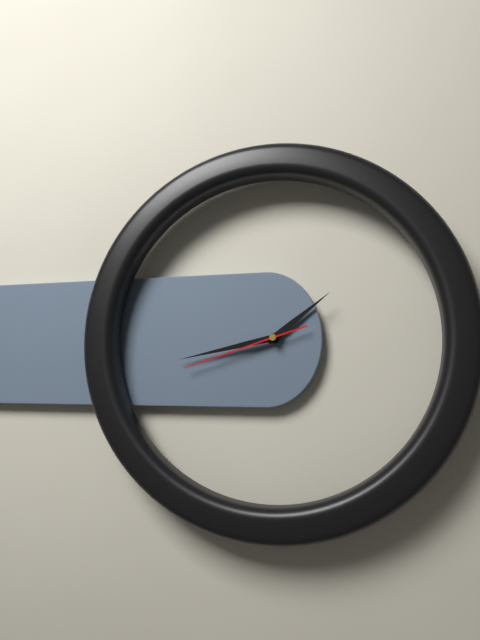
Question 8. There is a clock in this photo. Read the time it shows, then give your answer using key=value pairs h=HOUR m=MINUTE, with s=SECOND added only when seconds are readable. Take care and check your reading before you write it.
h=1 m=43 s=42
